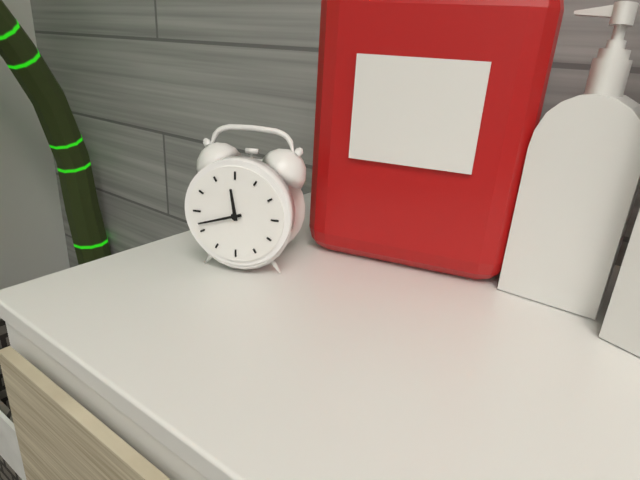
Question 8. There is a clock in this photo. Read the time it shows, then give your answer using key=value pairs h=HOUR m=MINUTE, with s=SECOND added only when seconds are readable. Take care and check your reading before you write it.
h=11 m=42
